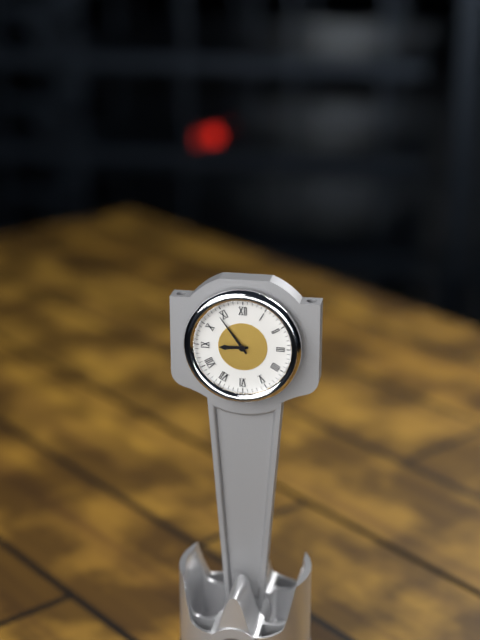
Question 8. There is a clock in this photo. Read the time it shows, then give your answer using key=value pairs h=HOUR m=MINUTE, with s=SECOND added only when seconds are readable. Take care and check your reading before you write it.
h=8 m=54
